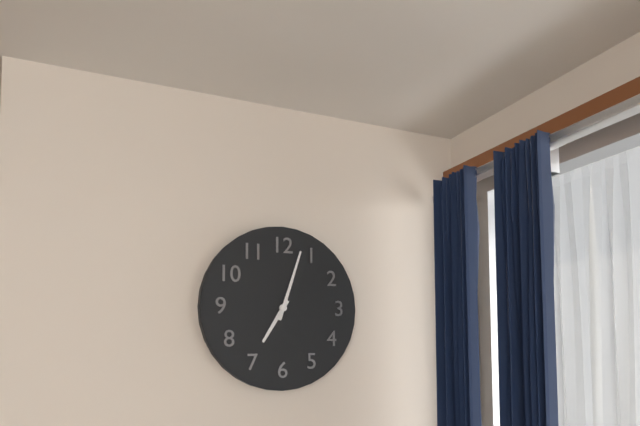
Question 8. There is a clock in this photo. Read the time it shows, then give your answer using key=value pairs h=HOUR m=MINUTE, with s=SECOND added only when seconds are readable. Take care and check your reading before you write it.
h=7 m=3
